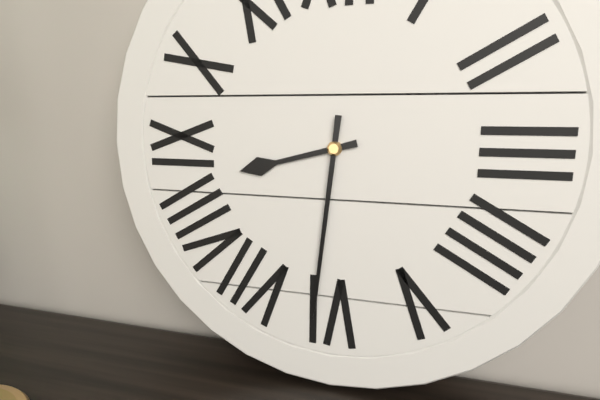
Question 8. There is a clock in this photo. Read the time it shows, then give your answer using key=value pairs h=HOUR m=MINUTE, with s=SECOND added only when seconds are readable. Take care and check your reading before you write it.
h=8 m=31
